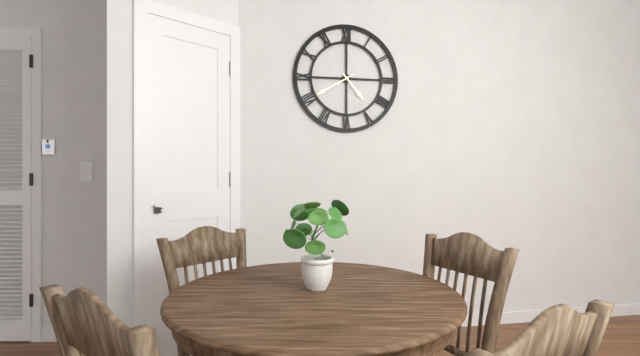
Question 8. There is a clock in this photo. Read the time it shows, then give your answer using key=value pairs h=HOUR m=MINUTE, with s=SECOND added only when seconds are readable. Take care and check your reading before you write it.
h=4 m=40
